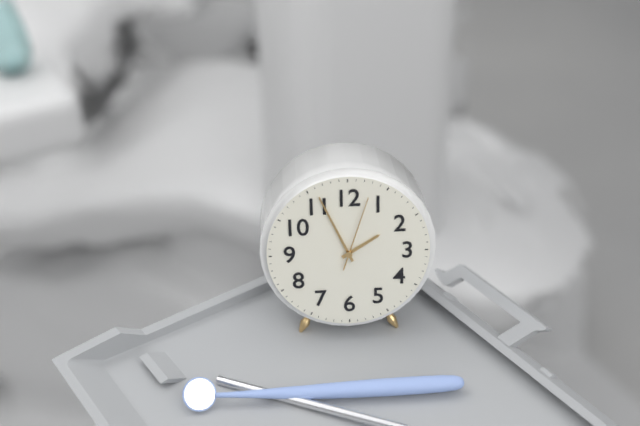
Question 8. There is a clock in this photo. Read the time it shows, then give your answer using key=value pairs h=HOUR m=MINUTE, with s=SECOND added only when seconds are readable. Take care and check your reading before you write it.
h=1 m=56 s=3
